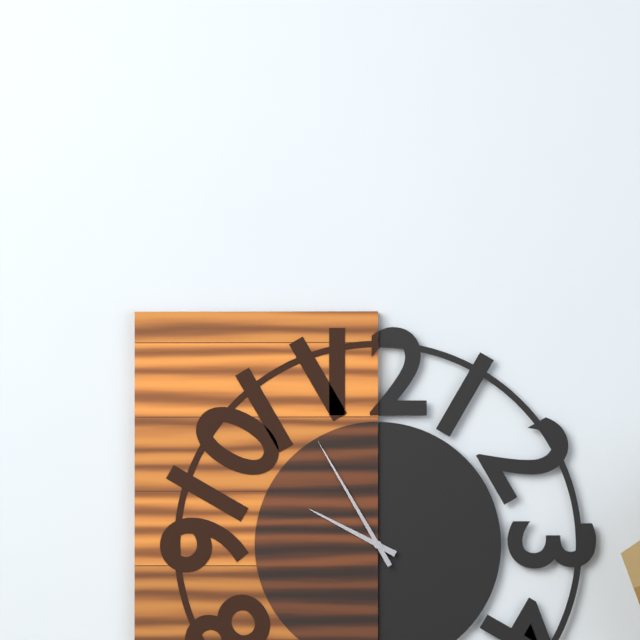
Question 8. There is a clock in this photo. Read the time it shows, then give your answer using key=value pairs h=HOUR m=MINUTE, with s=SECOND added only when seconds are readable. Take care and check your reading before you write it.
h=9 m=55
